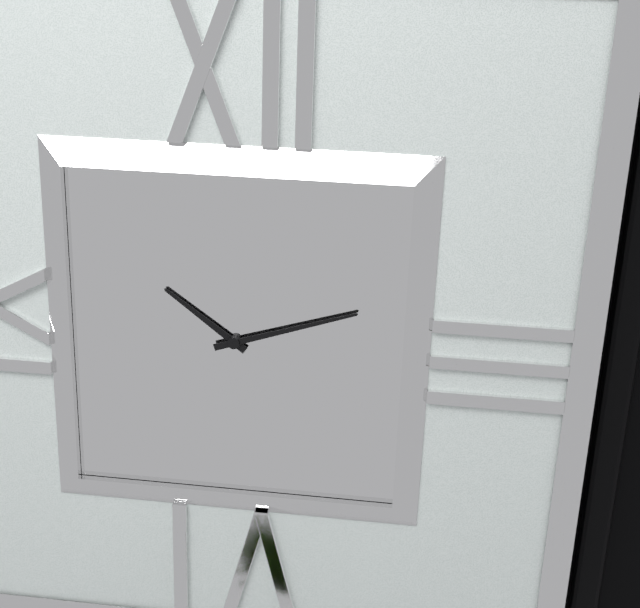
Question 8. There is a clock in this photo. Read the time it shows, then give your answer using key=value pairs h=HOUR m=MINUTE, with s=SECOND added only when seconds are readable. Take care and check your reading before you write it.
h=10 m=12
